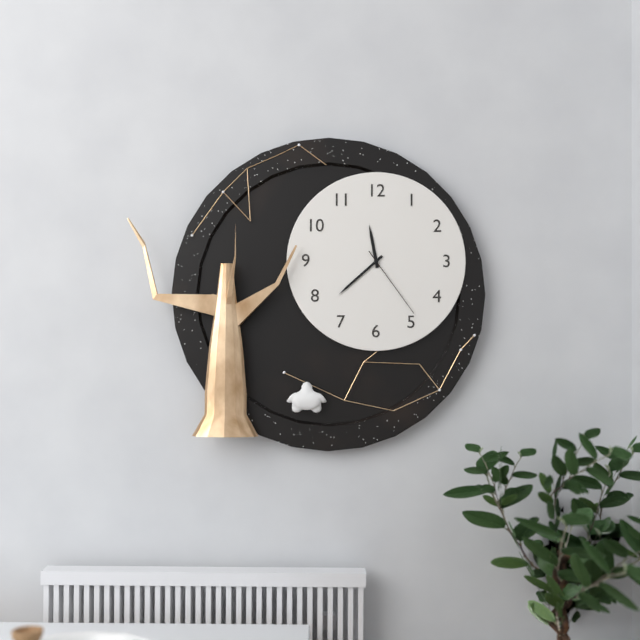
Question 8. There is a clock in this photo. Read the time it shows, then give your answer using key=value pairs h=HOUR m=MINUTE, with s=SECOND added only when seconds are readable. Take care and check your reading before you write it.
h=11 m=38 s=24
